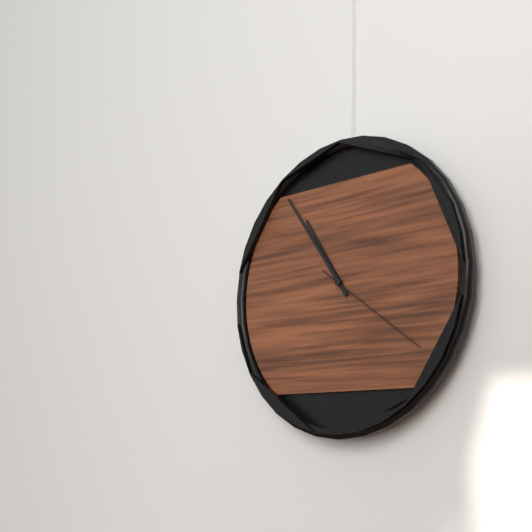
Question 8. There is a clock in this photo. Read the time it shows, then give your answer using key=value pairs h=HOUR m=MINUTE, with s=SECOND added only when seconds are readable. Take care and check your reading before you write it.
h=10 m=54 s=21
